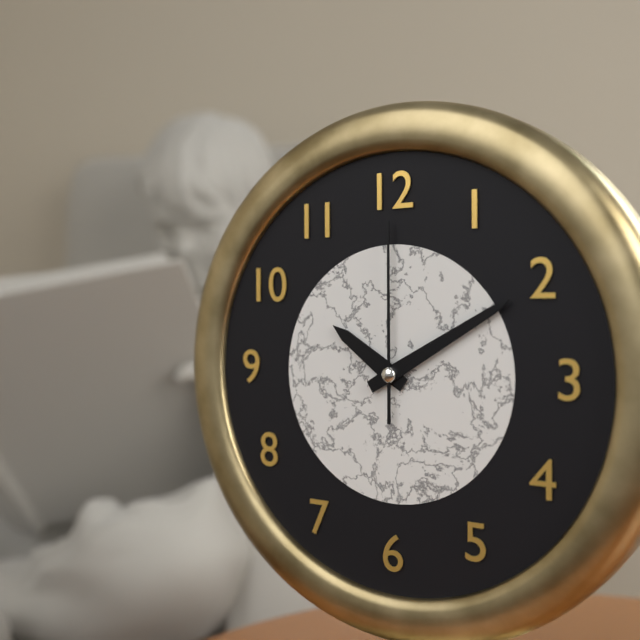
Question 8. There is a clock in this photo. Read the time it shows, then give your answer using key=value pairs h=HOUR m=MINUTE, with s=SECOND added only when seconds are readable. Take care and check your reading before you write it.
h=10 m=10 s=0
